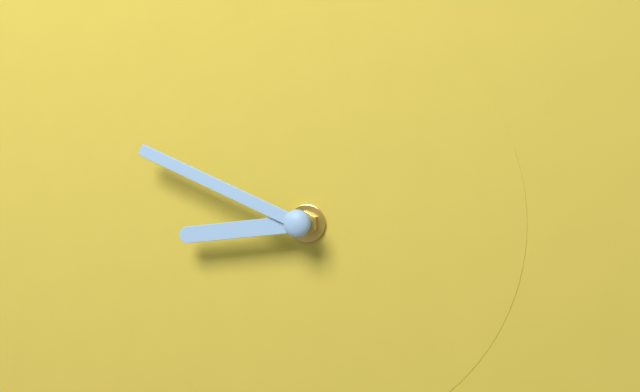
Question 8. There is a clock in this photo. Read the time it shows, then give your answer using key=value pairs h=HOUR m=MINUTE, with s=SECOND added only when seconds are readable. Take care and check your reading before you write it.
h=8 m=49
